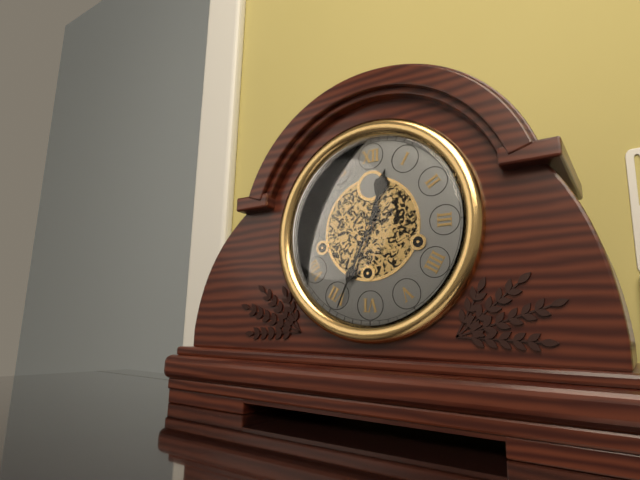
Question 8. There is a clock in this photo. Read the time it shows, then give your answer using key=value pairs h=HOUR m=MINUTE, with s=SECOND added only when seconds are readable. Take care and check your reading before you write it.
h=12 m=34
